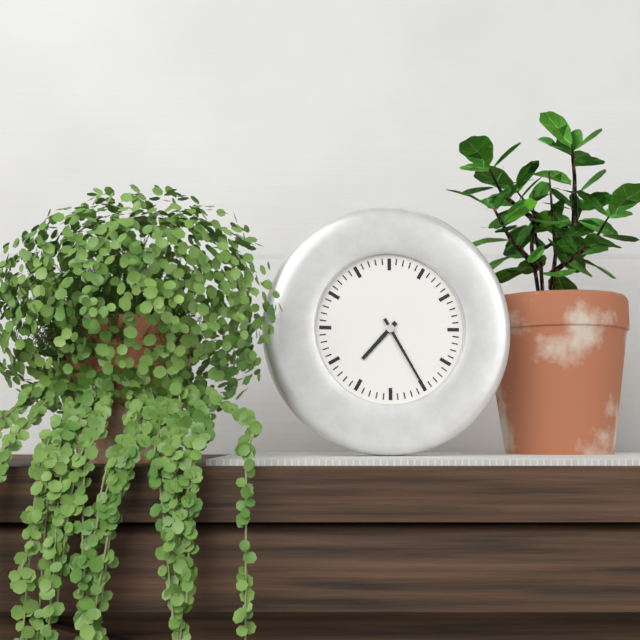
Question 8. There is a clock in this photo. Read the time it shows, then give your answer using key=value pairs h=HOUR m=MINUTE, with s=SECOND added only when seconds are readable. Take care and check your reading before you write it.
h=7 m=25
